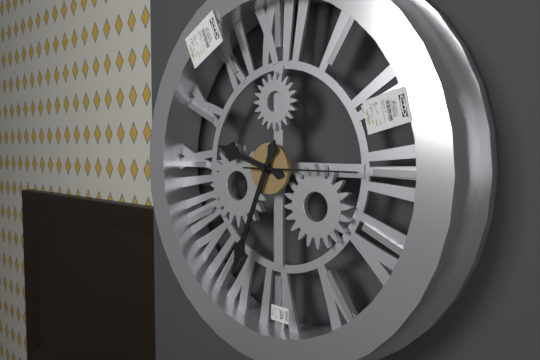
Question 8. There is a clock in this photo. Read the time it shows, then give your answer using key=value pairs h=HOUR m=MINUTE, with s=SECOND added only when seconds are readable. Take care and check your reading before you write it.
h=9 m=34 s=15
